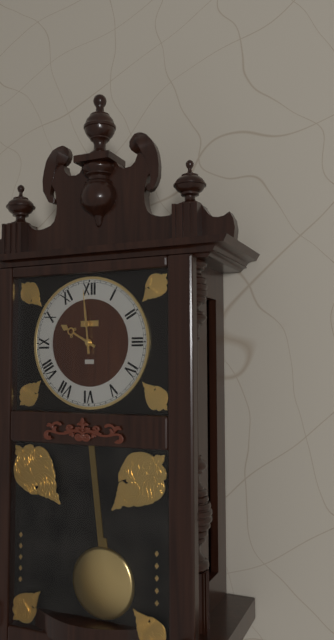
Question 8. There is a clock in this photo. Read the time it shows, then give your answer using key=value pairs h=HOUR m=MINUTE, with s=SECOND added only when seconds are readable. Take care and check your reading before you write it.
h=9 m=59
